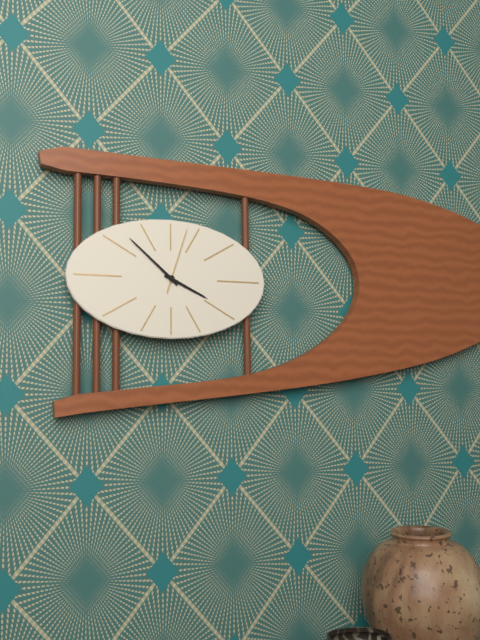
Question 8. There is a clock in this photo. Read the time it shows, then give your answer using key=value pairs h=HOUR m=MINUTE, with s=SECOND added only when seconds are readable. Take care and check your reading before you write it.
h=3 m=52 s=3
